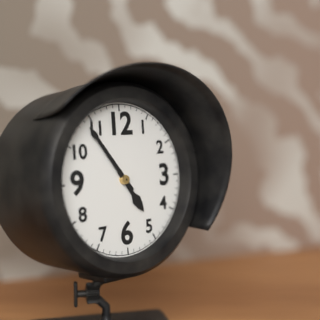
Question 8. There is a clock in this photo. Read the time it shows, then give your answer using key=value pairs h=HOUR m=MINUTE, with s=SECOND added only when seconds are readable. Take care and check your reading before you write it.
h=4 m=54
